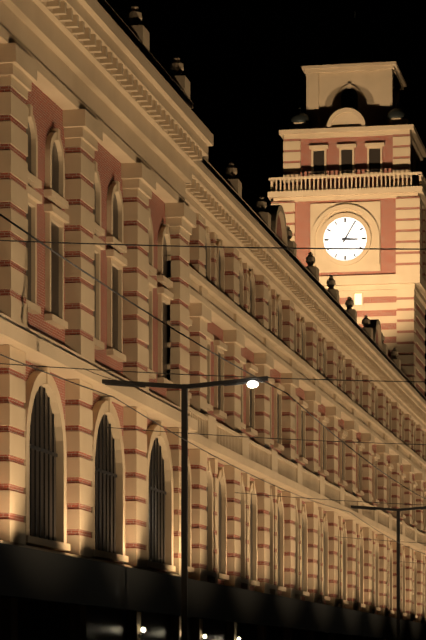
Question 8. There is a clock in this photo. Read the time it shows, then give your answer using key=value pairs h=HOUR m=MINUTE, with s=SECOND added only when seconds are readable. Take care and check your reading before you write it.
h=3 m=5
